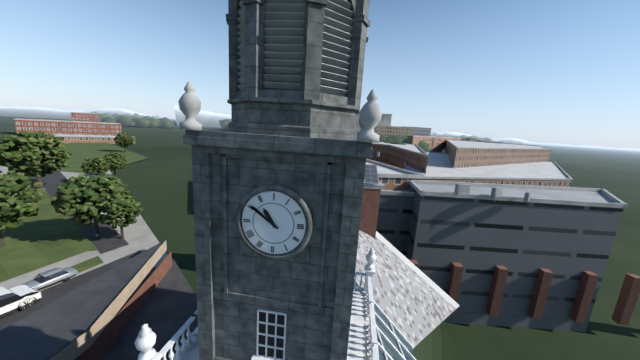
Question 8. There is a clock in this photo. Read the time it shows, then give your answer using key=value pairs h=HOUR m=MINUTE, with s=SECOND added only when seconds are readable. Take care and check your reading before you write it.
h=10 m=51
